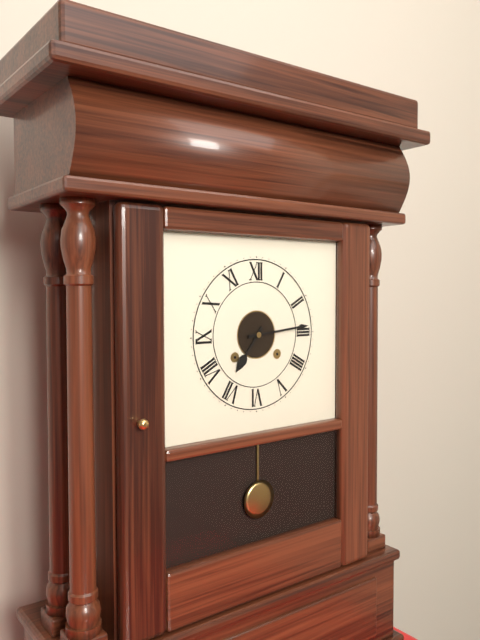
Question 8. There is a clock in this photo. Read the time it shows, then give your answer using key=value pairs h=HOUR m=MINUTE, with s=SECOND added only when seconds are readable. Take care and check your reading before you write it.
h=7 m=14
